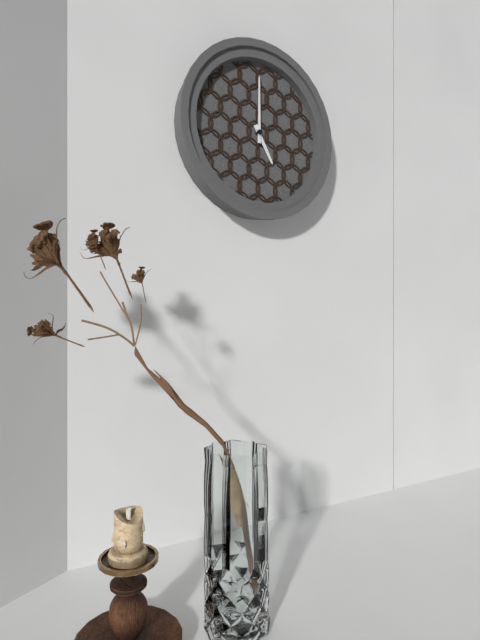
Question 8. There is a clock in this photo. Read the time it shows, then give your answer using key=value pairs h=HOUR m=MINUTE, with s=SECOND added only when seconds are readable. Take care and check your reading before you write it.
h=5 m=0
